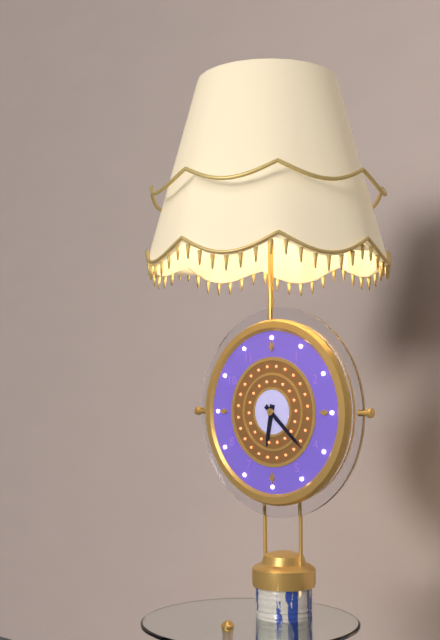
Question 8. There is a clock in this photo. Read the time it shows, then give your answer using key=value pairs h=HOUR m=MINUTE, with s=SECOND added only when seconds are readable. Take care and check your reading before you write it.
h=6 m=22
